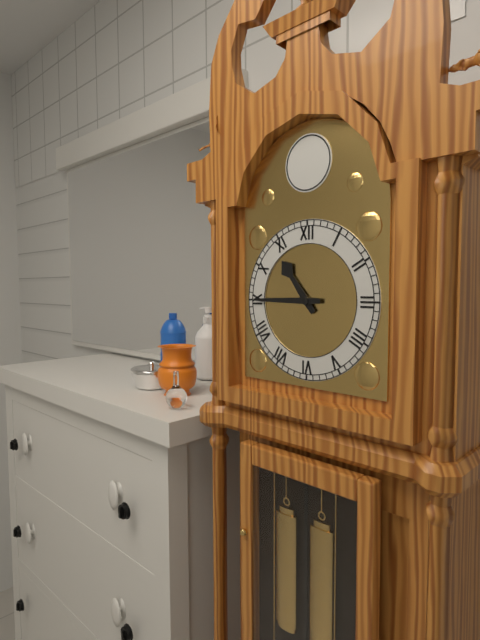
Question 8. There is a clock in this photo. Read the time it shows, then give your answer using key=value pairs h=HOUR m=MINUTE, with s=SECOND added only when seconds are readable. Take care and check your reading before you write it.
h=10 m=45
